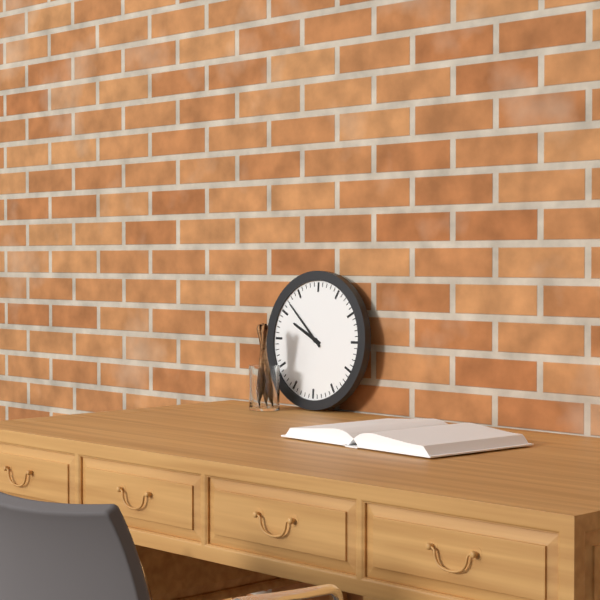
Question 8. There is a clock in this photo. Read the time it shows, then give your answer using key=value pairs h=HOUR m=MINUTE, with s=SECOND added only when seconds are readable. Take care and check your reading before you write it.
h=9 m=52
